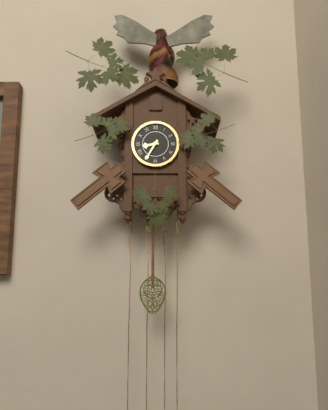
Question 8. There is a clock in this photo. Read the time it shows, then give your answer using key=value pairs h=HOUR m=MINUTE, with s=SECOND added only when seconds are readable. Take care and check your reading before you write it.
h=8 m=35
